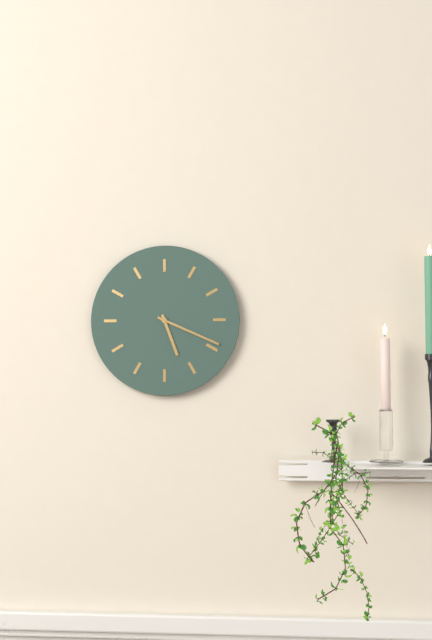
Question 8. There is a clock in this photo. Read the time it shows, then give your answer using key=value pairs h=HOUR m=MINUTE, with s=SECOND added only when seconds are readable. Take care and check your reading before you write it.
h=5 m=19
